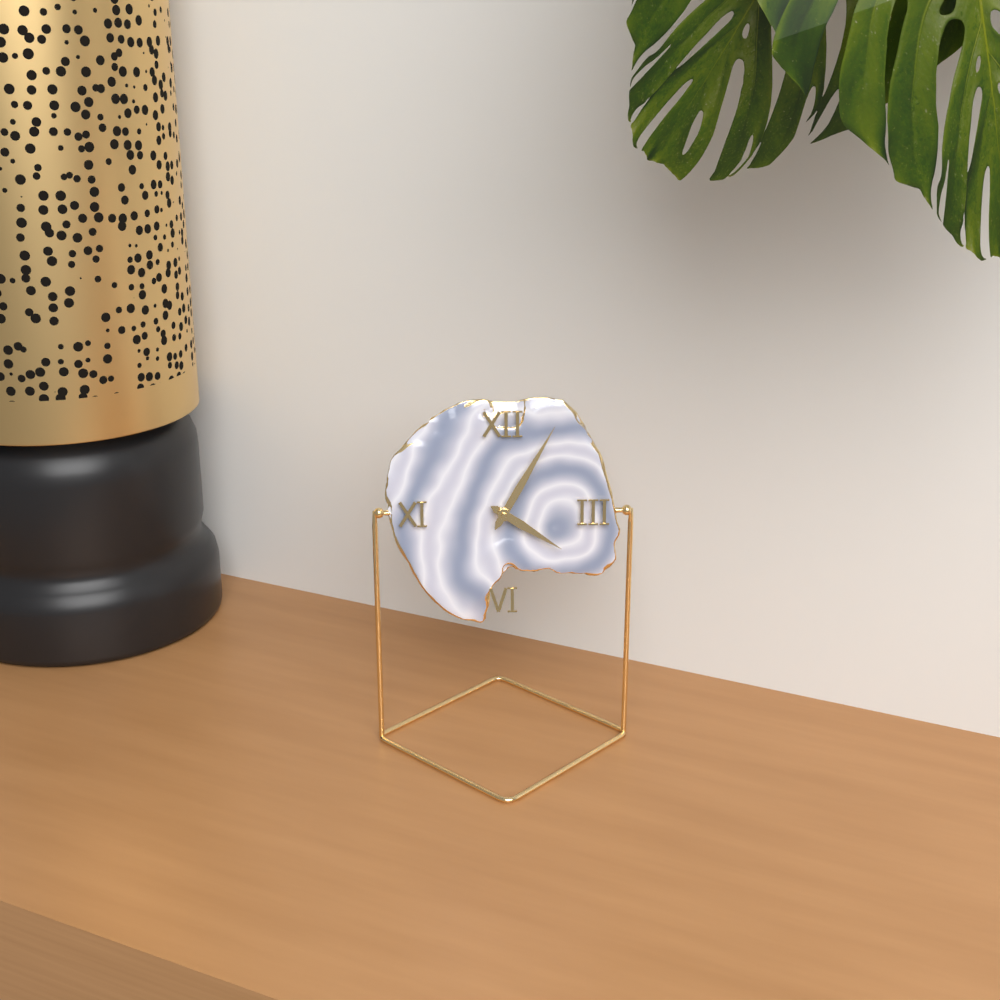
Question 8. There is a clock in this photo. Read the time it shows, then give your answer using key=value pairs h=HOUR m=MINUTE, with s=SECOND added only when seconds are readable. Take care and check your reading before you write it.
h=4 m=5
